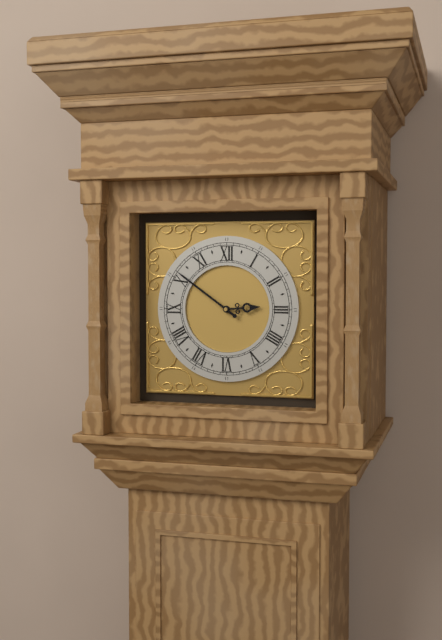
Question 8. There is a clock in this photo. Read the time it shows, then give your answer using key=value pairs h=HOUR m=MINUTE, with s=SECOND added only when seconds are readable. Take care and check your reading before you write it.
h=2 m=51
